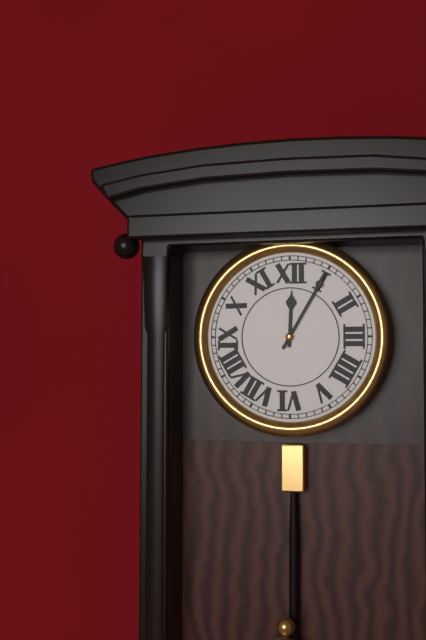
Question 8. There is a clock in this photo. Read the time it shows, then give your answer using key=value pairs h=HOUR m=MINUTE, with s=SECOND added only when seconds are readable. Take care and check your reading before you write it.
h=12 m=5
